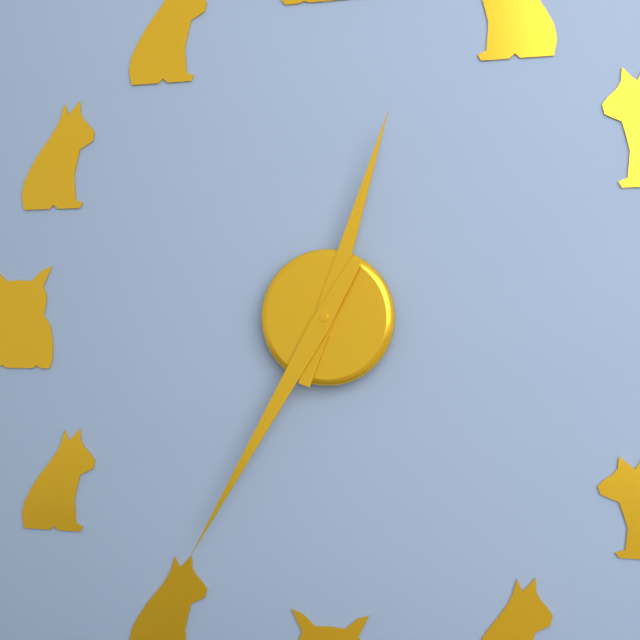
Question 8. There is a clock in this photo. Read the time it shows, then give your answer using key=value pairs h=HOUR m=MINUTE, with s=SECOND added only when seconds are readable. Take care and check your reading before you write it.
h=12 m=35
